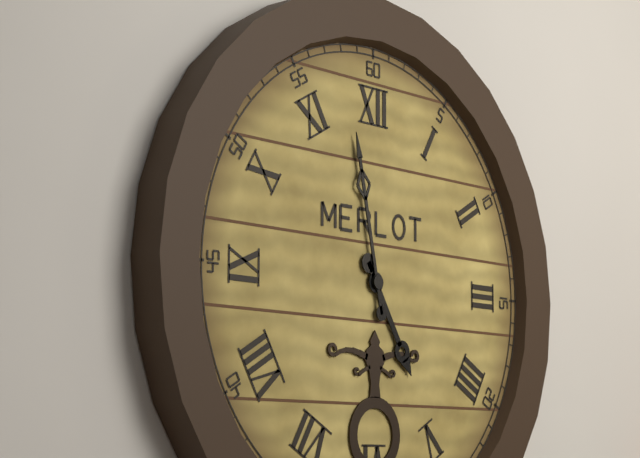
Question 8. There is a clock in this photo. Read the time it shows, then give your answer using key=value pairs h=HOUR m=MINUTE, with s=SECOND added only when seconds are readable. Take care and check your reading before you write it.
h=4 m=58
